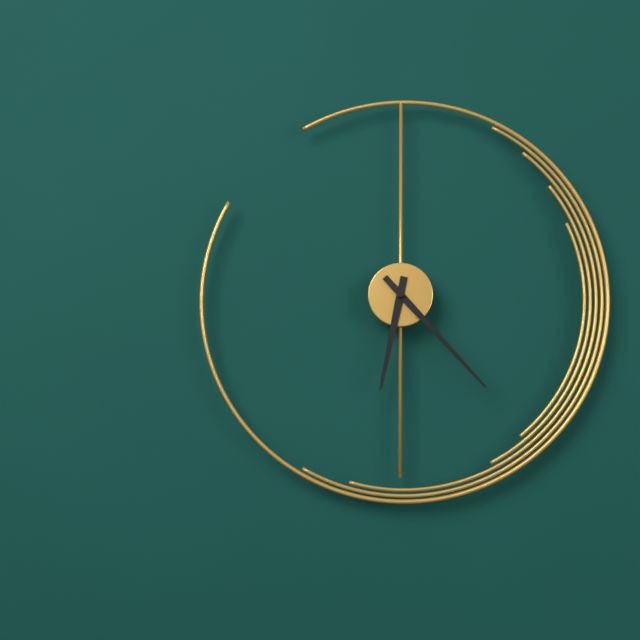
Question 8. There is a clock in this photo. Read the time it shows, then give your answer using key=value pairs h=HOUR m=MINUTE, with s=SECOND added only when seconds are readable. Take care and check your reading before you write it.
h=6 m=23
